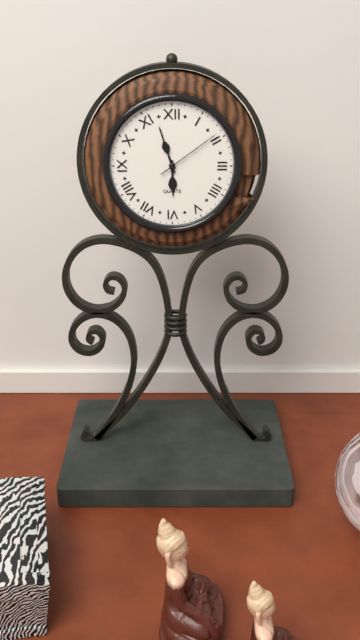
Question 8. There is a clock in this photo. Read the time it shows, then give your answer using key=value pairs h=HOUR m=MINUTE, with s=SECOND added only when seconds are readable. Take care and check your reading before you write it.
h=5 m=57 s=9
